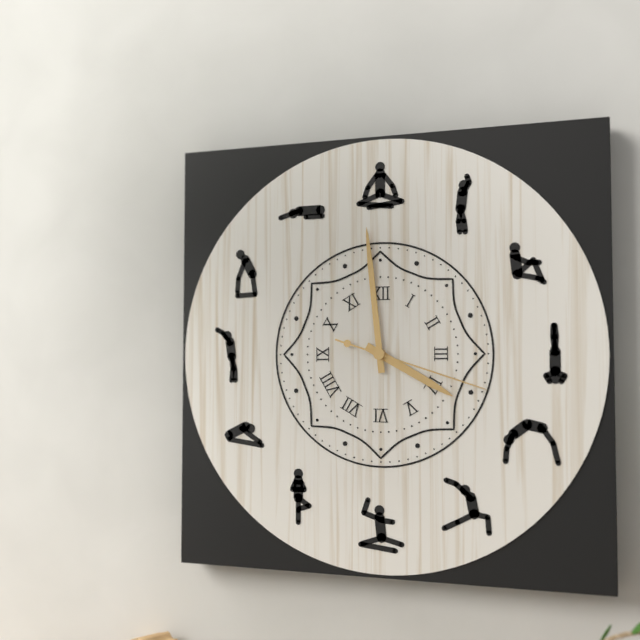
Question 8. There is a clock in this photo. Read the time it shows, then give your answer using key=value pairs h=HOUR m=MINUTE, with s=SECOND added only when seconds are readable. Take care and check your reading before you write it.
h=3 m=59 s=18
